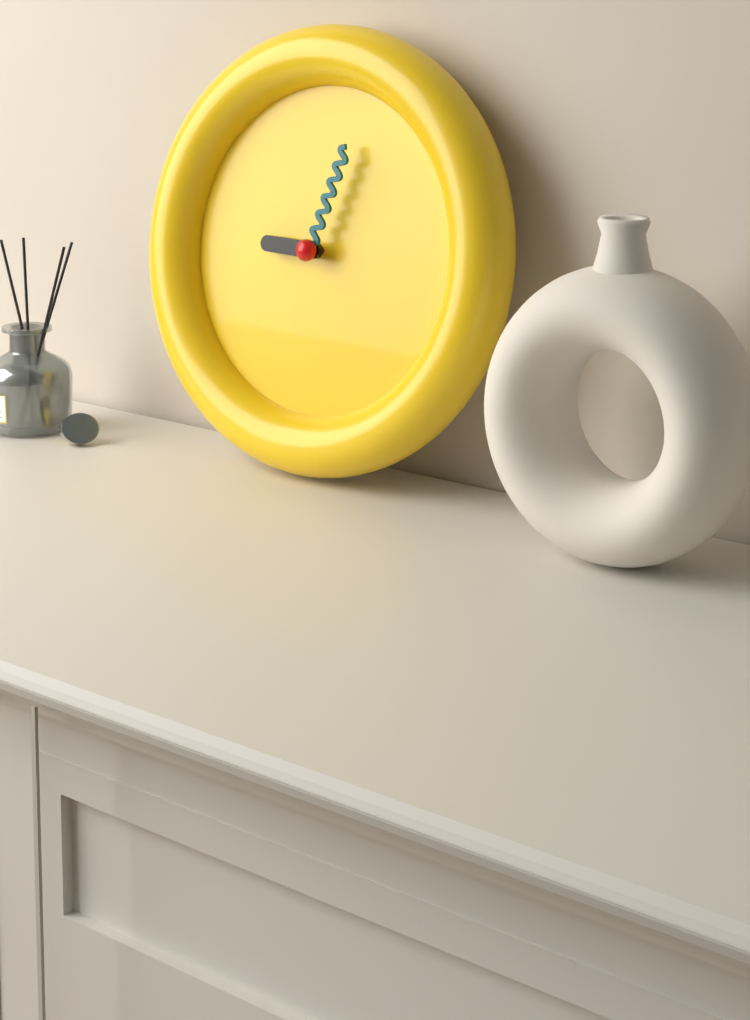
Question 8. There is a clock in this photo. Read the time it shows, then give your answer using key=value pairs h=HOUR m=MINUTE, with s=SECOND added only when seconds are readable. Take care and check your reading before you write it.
h=9 m=3
